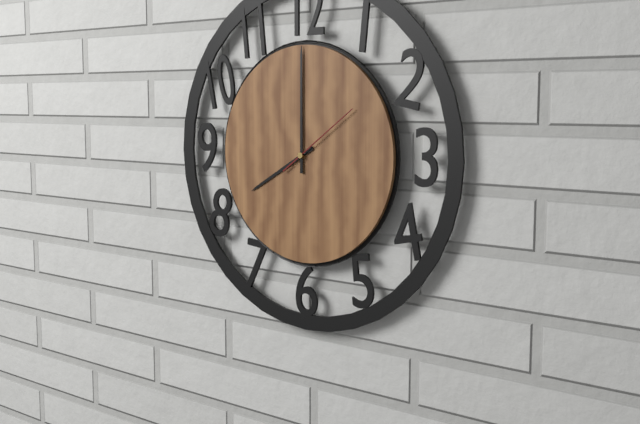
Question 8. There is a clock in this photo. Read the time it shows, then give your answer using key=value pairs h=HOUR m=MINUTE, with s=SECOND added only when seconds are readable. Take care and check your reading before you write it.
h=8 m=0 s=9
